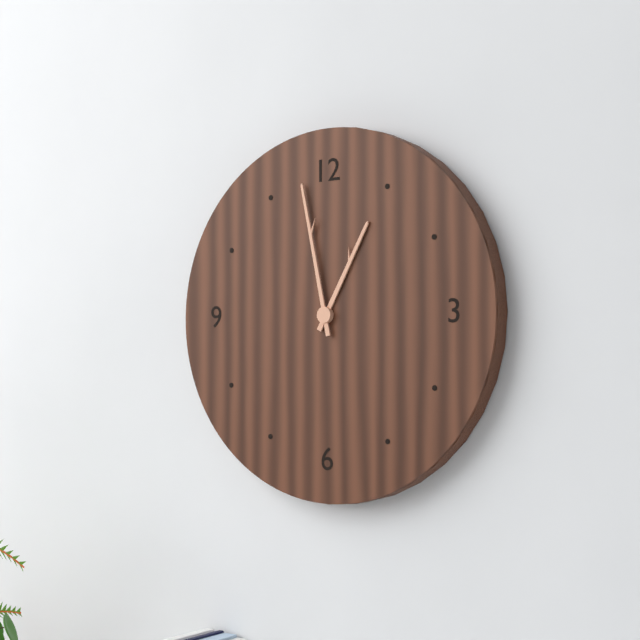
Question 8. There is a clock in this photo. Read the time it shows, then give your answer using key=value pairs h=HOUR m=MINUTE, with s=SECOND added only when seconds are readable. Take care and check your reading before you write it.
h=12 m=58
